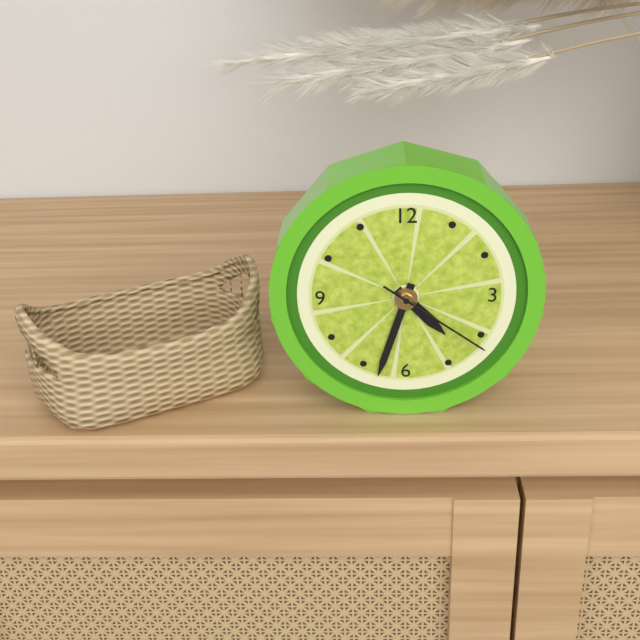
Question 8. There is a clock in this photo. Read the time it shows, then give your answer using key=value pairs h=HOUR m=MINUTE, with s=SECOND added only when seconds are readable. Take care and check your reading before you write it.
h=4 m=33 s=21
